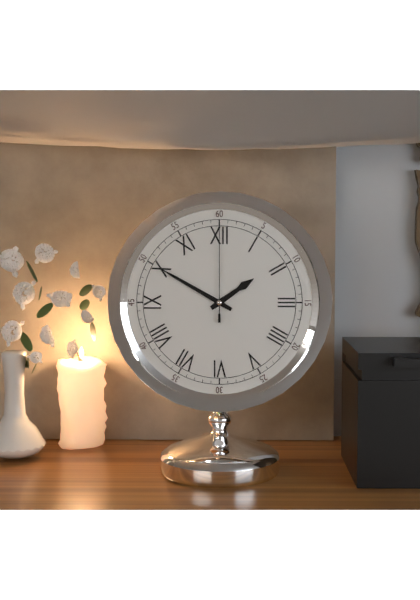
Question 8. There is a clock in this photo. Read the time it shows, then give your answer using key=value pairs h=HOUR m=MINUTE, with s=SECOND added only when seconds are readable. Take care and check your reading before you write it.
h=1 m=50 s=0
